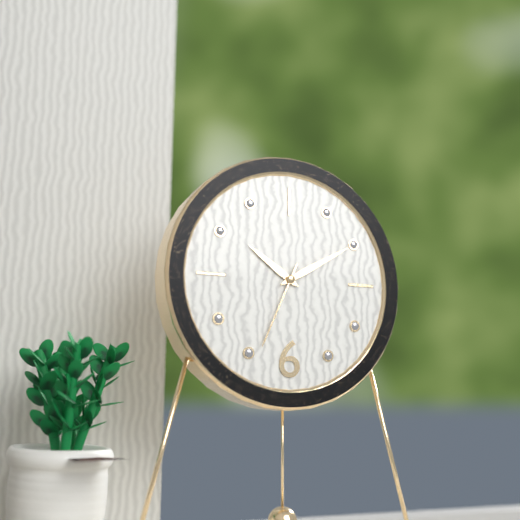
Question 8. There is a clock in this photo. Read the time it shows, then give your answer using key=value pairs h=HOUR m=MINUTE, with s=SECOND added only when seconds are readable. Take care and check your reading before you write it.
h=10 m=10 s=34
